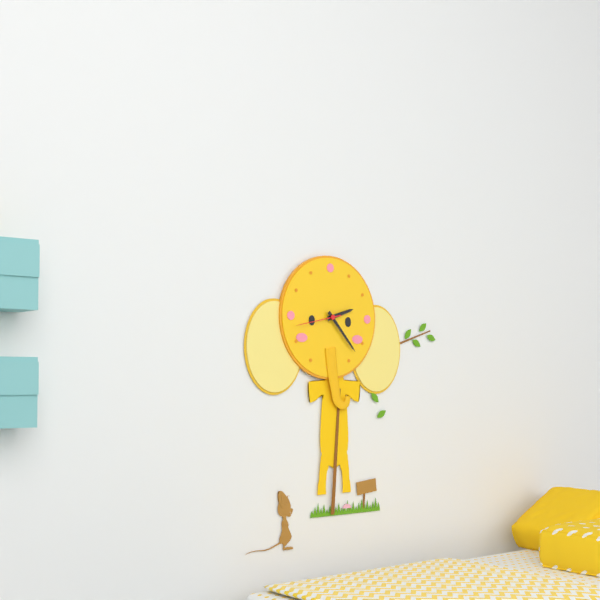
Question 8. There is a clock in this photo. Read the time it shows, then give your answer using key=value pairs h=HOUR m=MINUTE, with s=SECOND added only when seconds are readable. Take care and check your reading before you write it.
h=2 m=23
